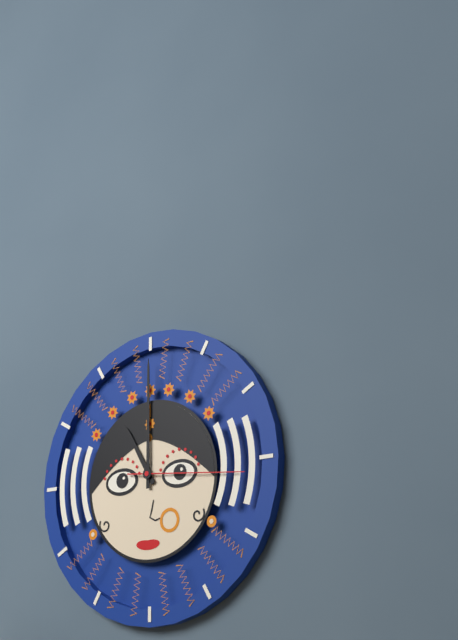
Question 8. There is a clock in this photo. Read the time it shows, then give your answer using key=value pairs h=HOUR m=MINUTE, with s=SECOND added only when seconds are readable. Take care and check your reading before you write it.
h=11 m=0 s=16
